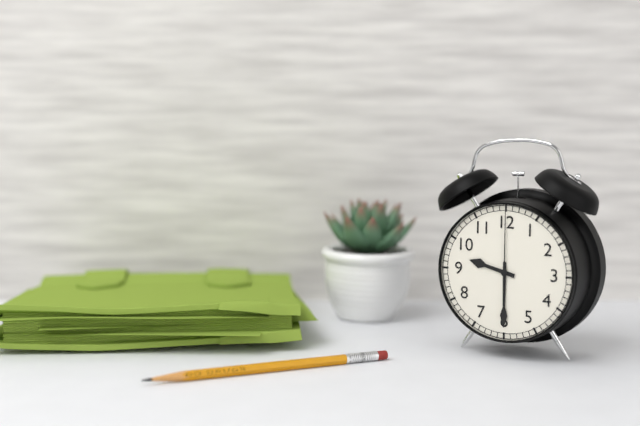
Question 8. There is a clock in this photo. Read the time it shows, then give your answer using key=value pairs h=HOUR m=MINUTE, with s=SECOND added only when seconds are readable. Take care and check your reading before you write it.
h=9 m=30 s=0
